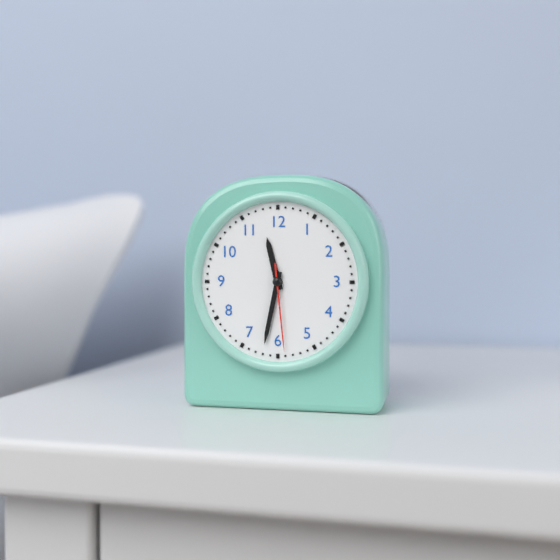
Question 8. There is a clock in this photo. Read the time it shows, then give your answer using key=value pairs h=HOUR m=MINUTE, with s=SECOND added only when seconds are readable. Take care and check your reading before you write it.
h=11 m=32 s=29
